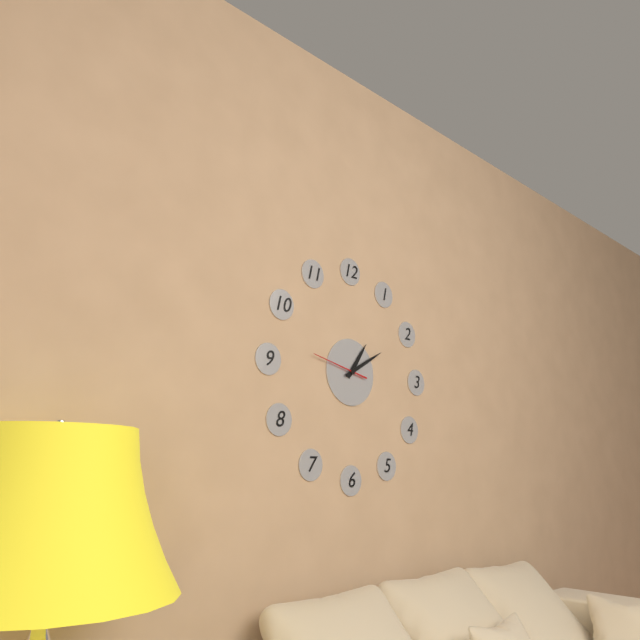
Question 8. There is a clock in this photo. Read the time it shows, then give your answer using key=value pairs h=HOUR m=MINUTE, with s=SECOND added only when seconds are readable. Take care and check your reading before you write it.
h=1 m=10 s=47
